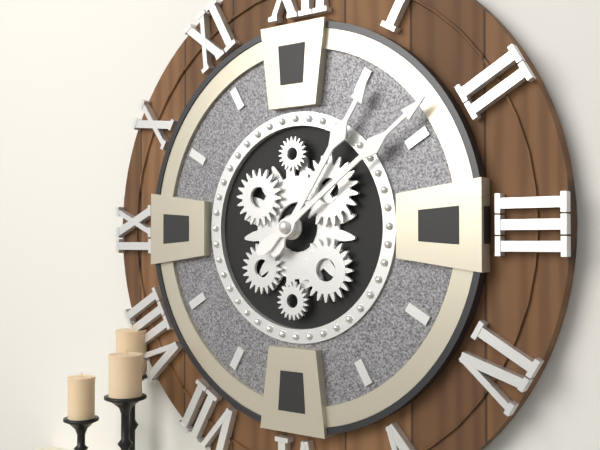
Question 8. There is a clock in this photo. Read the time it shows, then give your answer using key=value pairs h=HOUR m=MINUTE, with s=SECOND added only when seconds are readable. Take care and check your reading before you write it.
h=1 m=9
